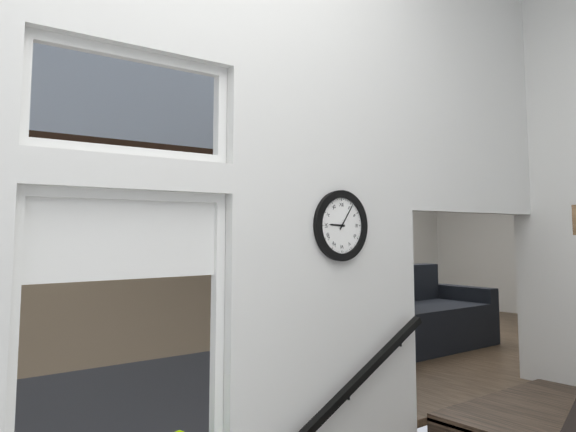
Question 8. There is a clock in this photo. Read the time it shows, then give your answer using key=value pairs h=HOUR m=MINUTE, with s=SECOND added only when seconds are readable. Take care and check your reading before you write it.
h=9 m=6
